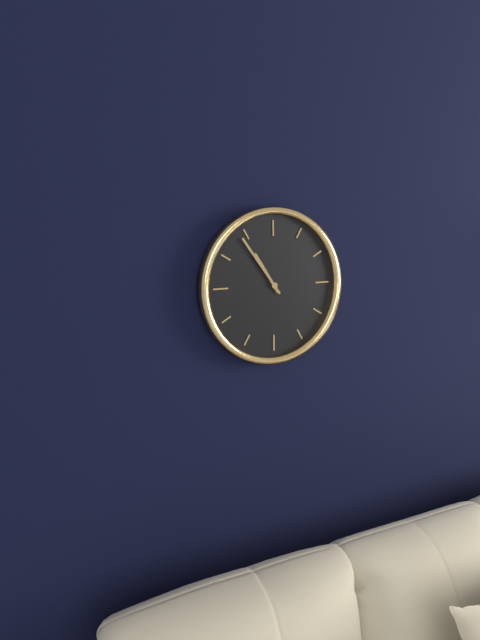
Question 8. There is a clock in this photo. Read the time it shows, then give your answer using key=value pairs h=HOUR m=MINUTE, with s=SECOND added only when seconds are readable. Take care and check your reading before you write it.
h=10 m=54
